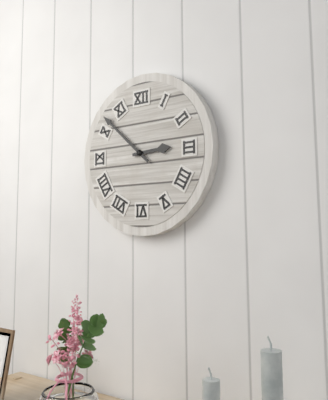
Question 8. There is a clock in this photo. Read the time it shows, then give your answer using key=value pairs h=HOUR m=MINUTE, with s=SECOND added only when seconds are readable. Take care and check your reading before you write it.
h=2 m=52
